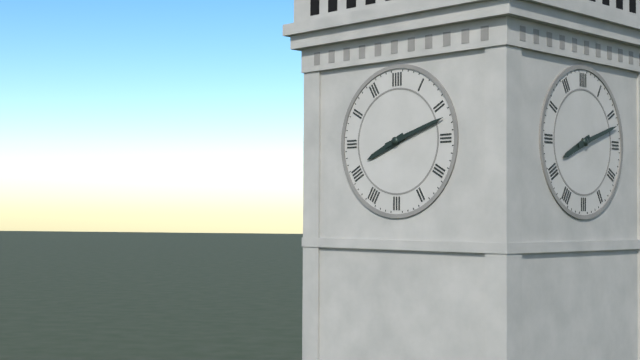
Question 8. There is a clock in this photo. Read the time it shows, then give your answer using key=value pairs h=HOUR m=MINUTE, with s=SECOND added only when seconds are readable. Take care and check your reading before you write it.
h=8 m=12
